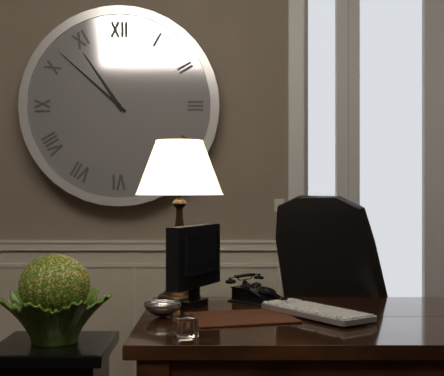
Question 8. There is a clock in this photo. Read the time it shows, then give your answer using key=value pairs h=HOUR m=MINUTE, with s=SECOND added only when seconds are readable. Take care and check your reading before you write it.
h=10 m=52
